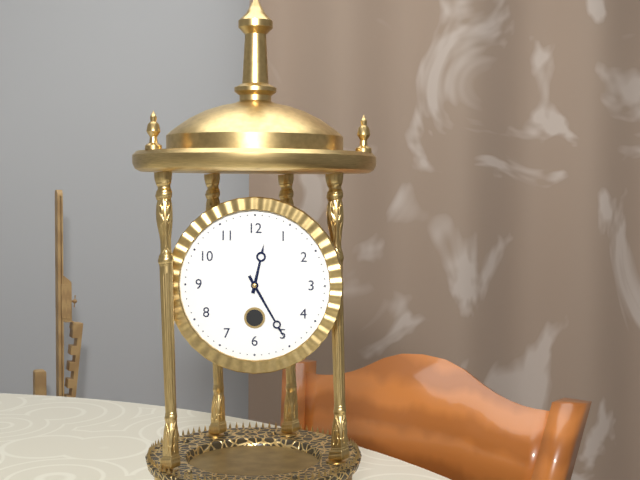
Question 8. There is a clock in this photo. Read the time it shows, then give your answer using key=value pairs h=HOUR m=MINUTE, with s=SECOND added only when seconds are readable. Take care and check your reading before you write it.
h=12 m=25
